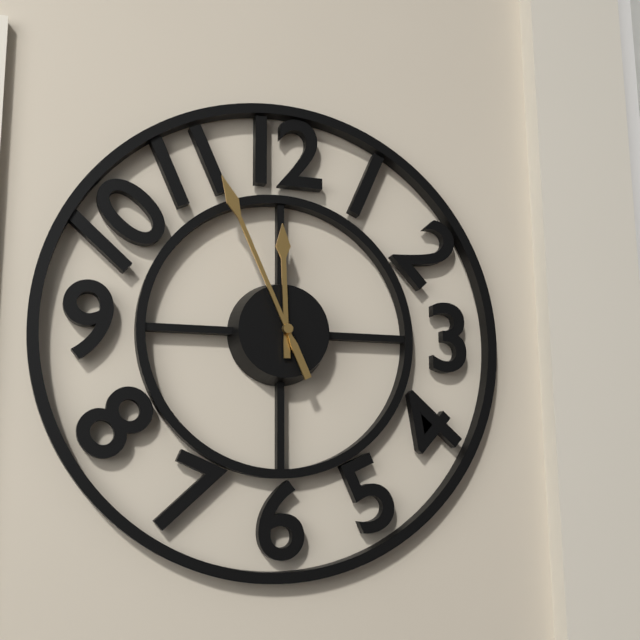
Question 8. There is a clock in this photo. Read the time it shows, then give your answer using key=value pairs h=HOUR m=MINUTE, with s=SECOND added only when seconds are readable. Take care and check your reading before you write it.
h=11 m=56
